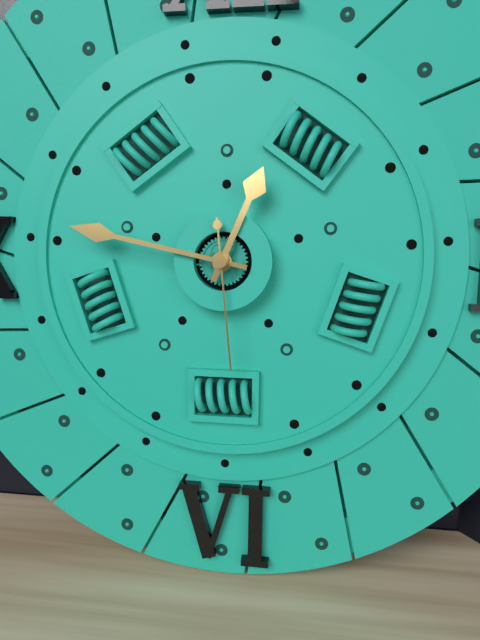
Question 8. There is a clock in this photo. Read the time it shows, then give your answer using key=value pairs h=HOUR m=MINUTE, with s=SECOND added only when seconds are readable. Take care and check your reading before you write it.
h=12 m=47 s=29
